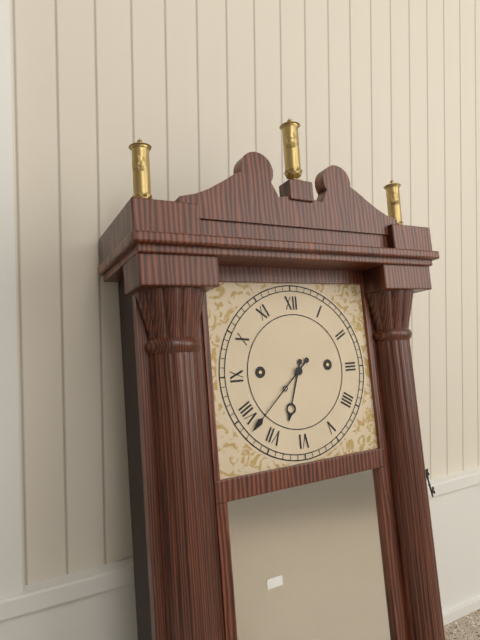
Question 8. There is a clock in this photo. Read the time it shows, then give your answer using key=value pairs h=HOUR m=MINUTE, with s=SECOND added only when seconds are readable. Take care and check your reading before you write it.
h=6 m=38
